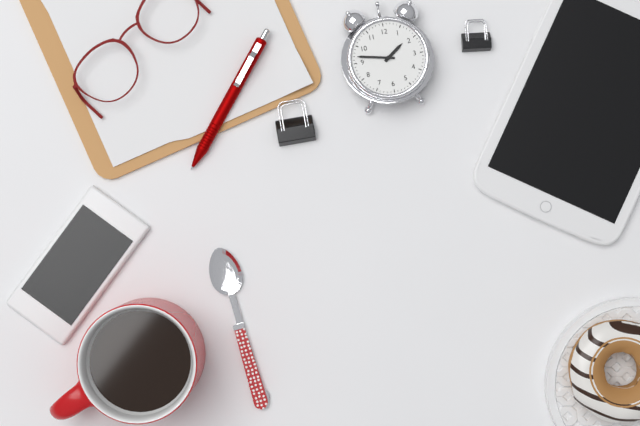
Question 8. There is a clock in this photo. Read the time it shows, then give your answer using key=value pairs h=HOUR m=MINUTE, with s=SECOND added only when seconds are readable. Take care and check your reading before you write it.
h=1 m=47
